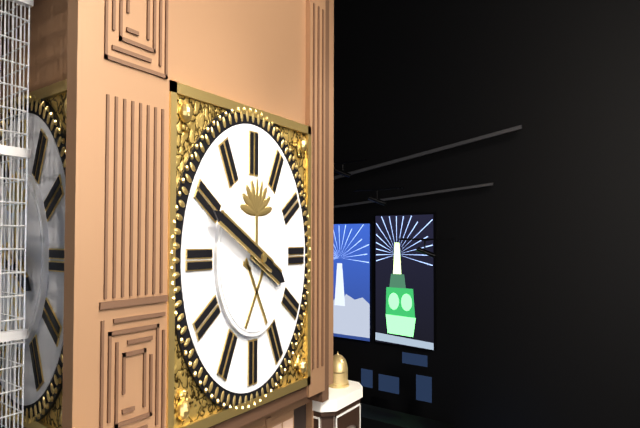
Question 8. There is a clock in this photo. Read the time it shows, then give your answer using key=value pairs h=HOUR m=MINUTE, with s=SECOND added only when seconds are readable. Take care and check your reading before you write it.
h=3 m=49
